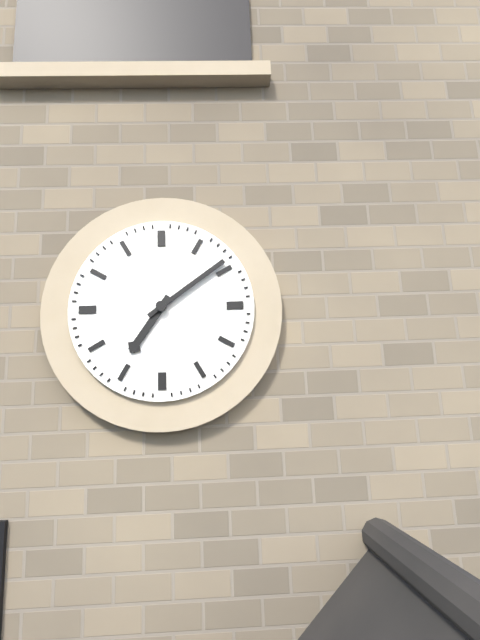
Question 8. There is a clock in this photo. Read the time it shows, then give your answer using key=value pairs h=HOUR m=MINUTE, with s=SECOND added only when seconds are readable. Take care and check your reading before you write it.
h=7 m=9
